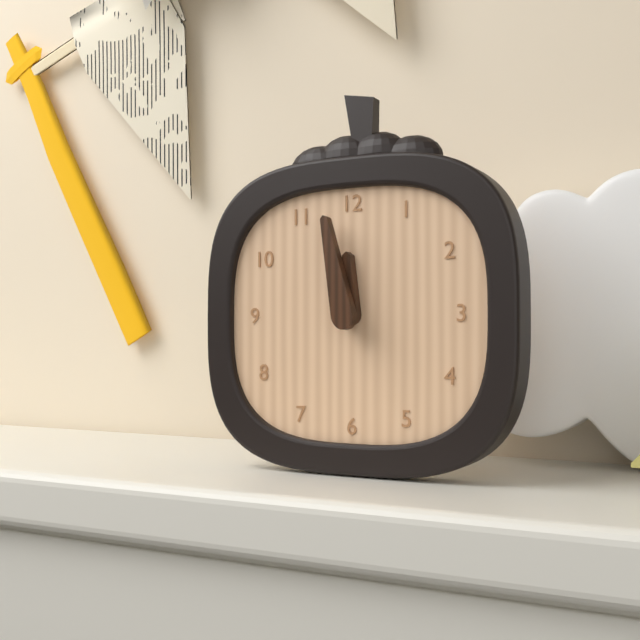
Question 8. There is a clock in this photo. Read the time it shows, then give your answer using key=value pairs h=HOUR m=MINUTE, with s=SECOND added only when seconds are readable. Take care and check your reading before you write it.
h=11 m=58
